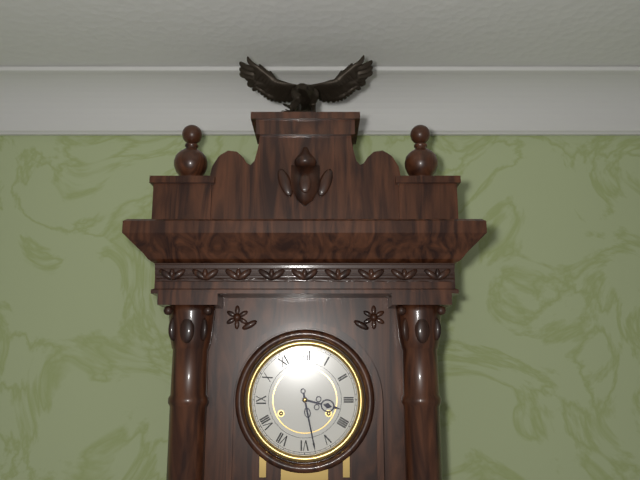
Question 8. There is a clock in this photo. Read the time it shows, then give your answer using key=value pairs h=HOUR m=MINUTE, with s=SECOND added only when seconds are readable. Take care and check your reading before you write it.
h=3 m=28
